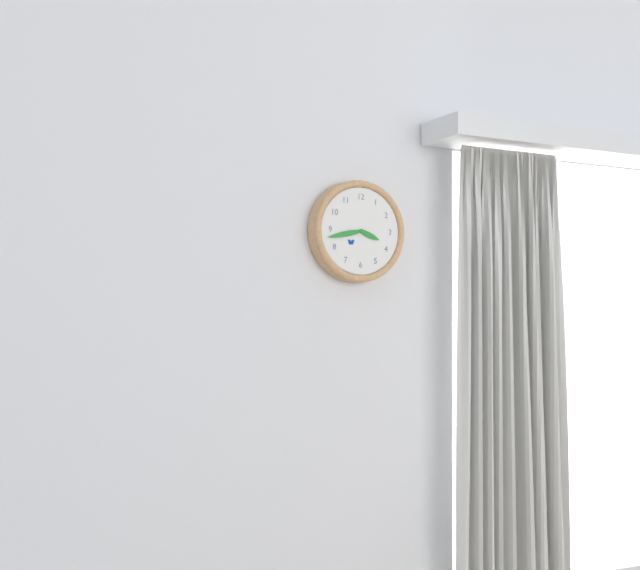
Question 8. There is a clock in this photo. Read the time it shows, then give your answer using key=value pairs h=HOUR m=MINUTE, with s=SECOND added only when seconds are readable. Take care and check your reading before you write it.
h=3 m=43
